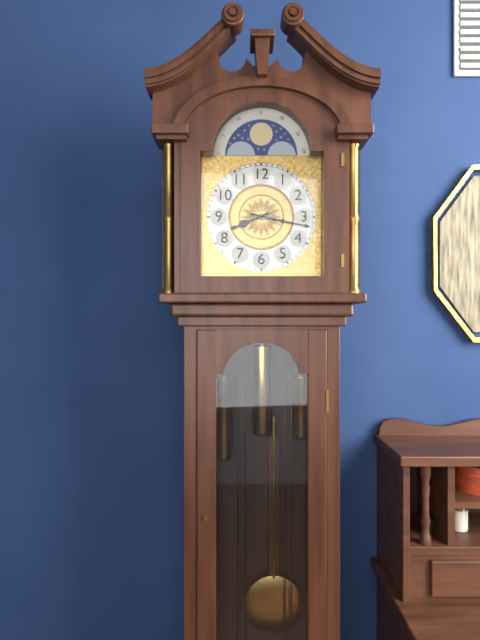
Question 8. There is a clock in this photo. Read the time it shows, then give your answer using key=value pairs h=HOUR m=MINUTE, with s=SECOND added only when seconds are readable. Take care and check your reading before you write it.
h=8 m=17
